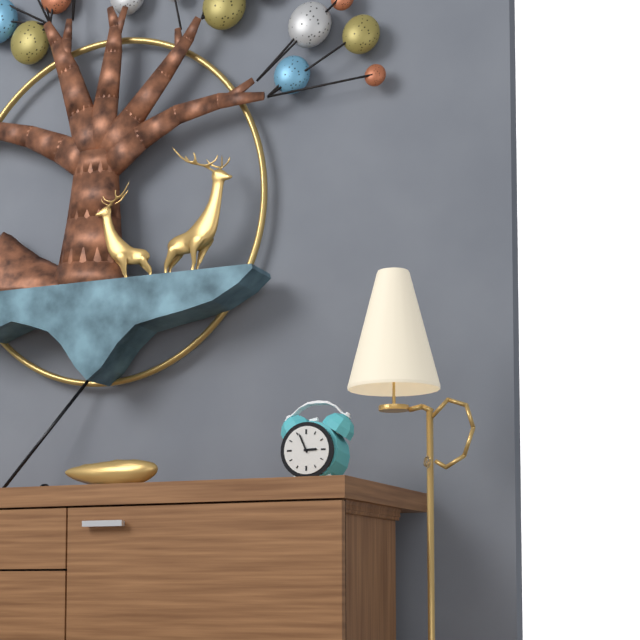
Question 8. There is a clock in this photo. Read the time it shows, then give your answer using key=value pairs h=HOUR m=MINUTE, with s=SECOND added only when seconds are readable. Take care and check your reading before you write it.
h=2 m=56
